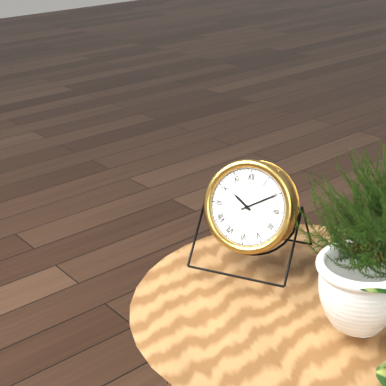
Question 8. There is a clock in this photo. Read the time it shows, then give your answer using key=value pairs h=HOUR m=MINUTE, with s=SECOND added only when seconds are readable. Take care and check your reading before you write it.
h=10 m=10
